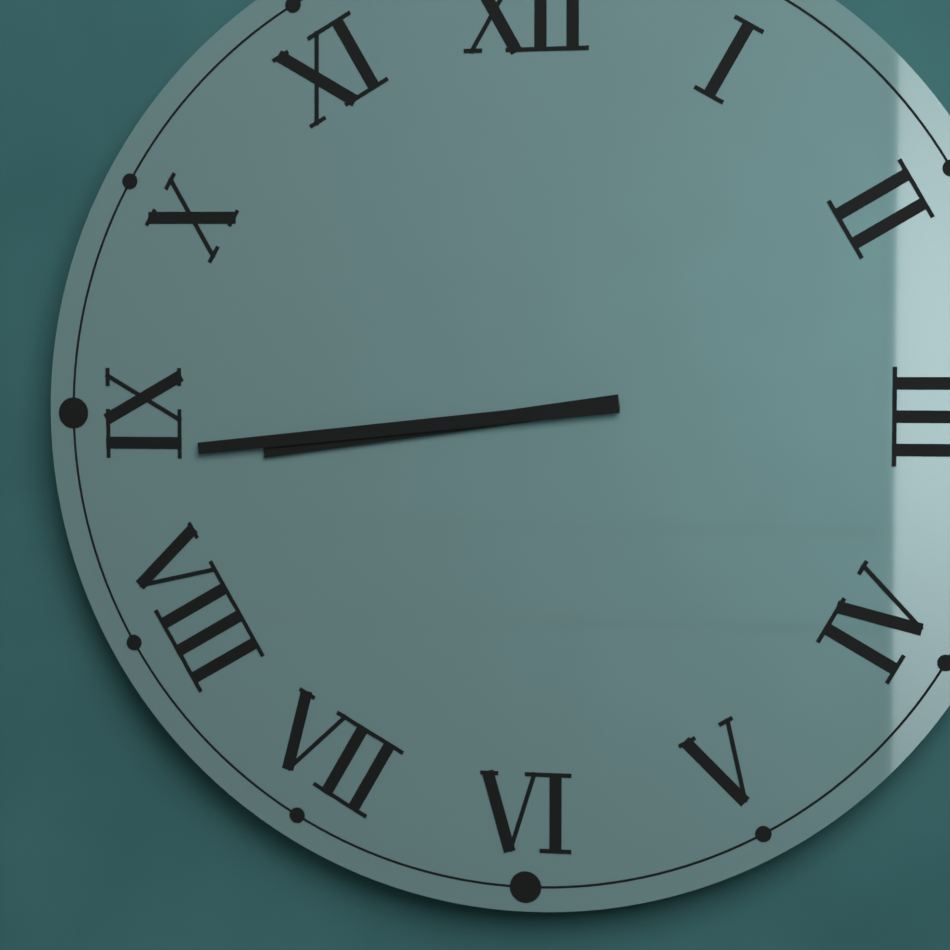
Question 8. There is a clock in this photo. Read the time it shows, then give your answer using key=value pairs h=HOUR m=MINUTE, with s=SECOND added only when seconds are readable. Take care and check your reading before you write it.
h=8 m=44
